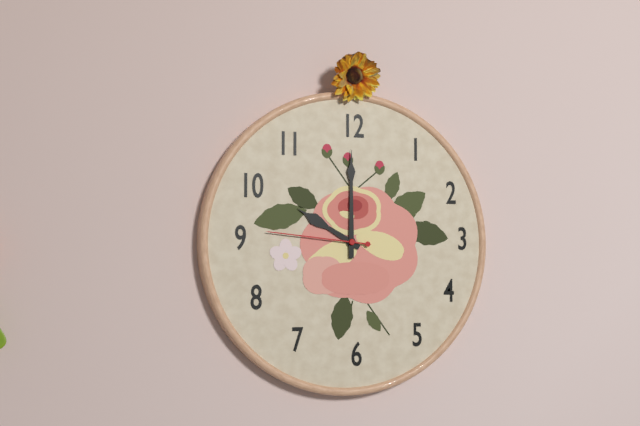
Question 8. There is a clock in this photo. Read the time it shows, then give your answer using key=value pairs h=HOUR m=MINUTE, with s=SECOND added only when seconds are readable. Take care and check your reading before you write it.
h=10 m=0 s=46
